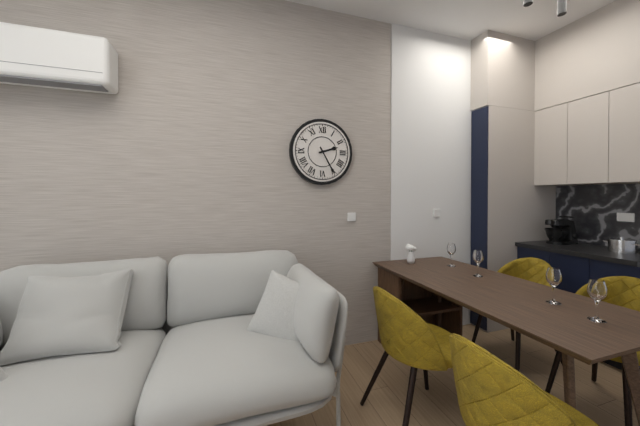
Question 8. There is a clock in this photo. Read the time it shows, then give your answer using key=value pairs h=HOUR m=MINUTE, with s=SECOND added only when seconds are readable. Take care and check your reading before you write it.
h=2 m=25
